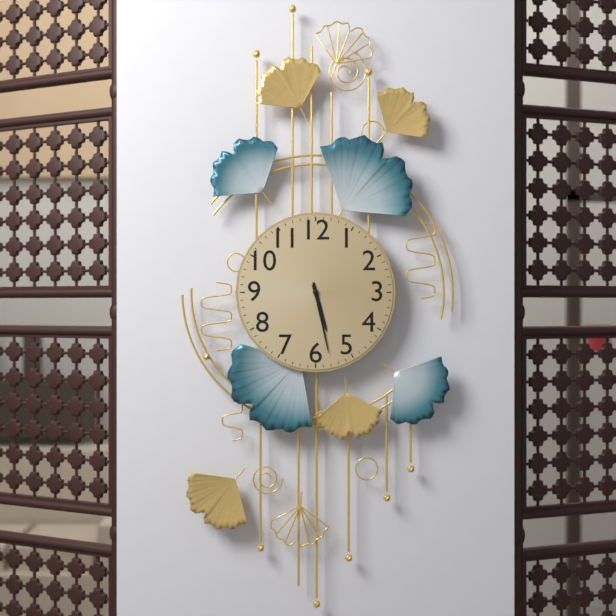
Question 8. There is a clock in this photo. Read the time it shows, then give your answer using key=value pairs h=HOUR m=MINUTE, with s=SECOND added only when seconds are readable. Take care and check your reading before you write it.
h=5 m=28
